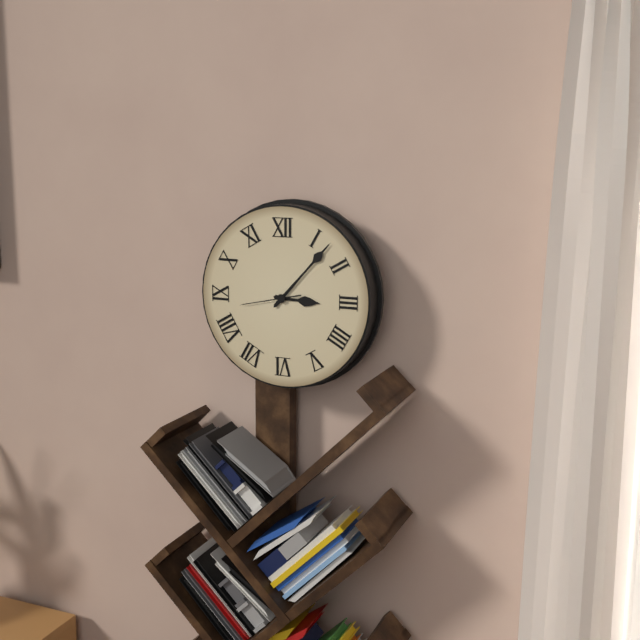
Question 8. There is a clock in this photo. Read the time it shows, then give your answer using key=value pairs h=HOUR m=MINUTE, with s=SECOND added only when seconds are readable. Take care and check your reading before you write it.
h=3 m=7 s=43
